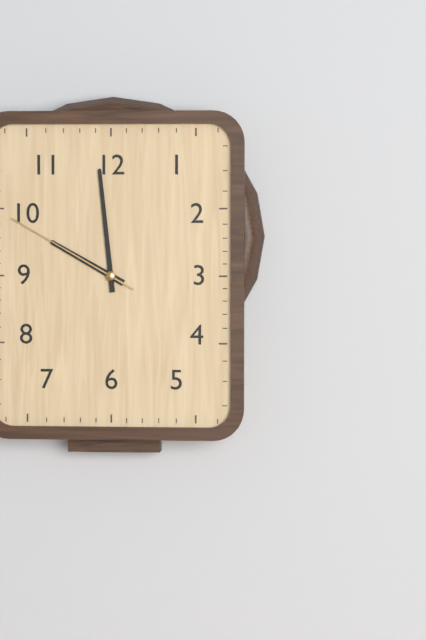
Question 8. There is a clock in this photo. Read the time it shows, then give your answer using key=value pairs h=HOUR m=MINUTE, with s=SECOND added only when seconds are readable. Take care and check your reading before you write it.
h=9 m=59 s=50
